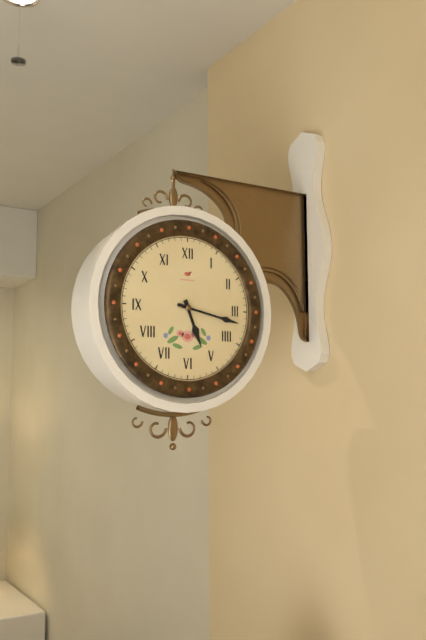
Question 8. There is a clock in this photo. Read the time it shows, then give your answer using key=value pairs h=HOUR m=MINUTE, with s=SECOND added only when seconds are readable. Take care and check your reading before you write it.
h=5 m=17
